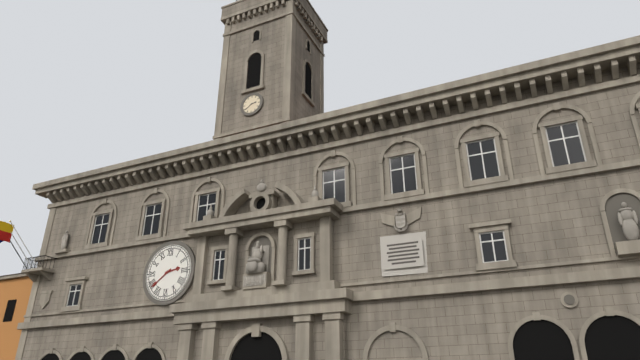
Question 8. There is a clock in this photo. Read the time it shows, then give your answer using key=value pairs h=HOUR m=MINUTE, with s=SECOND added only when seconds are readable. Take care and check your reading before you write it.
h=2 m=39
